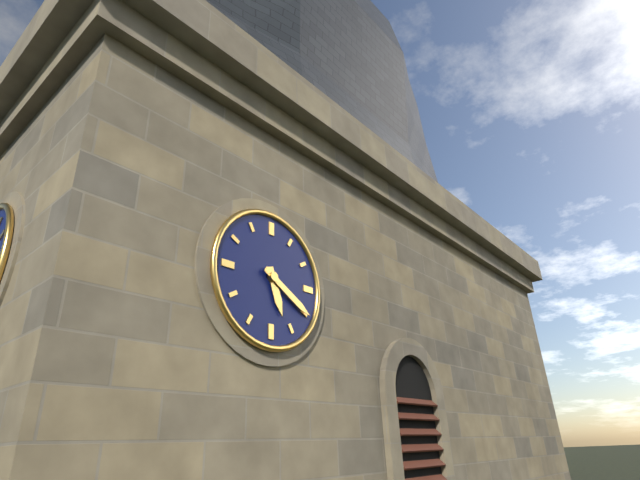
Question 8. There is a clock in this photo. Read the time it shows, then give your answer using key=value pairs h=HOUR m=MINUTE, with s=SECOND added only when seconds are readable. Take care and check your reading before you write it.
h=5 m=20
